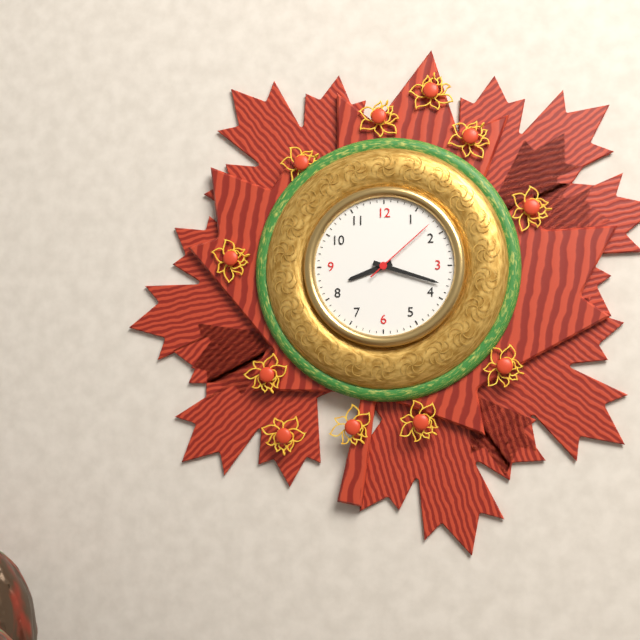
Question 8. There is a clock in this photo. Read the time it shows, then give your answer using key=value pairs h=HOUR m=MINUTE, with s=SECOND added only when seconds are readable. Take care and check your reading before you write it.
h=8 m=18 s=8
